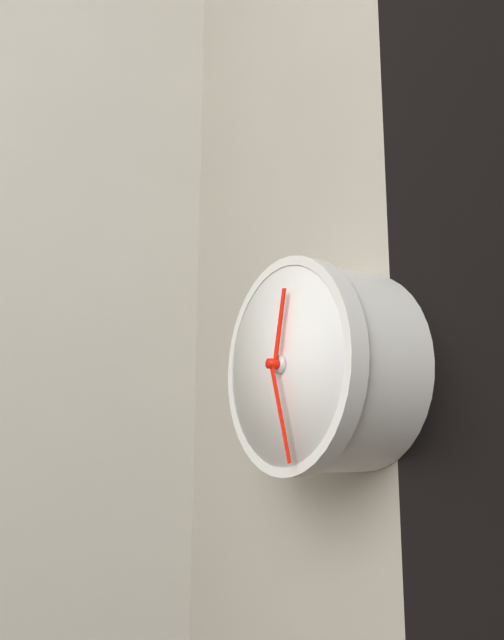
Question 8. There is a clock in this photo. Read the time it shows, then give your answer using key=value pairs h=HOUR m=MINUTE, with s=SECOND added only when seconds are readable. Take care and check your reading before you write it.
h=12 m=27
